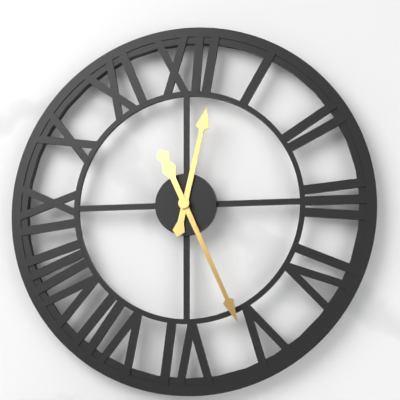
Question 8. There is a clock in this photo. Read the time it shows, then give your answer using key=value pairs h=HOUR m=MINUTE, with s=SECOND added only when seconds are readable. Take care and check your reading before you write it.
h=12 m=26
